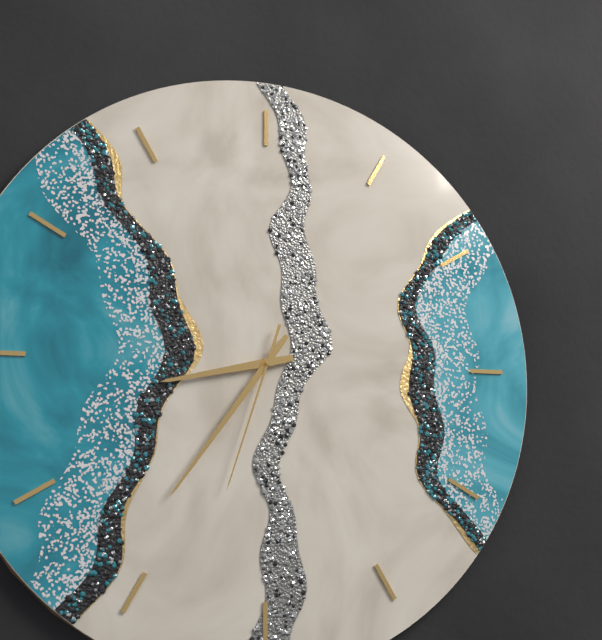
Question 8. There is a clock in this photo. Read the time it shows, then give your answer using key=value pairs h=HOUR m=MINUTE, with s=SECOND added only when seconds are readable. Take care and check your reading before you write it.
h=8 m=36 s=33
